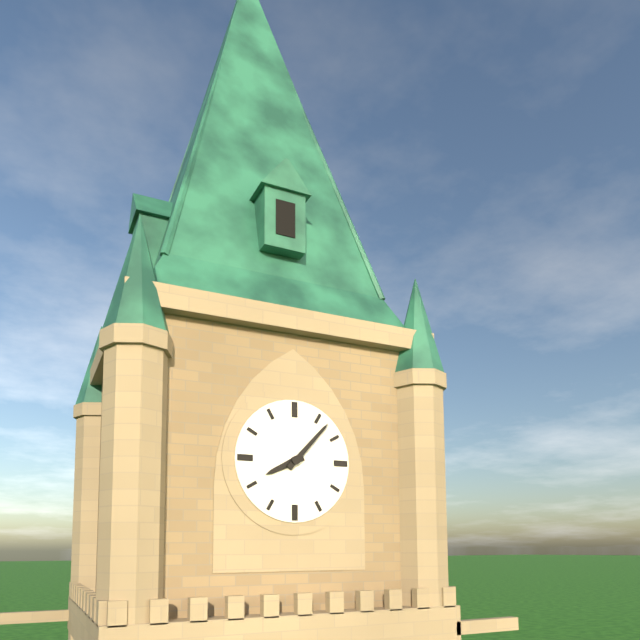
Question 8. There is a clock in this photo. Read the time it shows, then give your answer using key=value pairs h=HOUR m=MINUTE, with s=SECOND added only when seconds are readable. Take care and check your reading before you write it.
h=8 m=7
